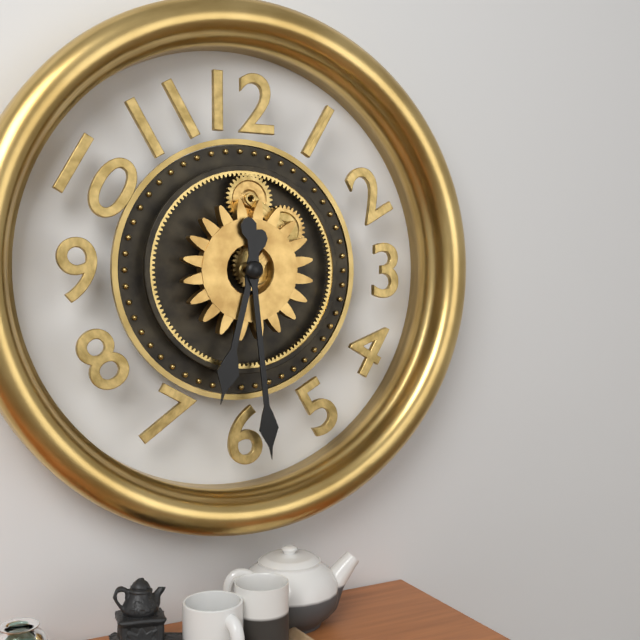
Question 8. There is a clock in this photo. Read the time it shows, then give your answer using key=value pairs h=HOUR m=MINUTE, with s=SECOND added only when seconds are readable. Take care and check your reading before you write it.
h=6 m=29
